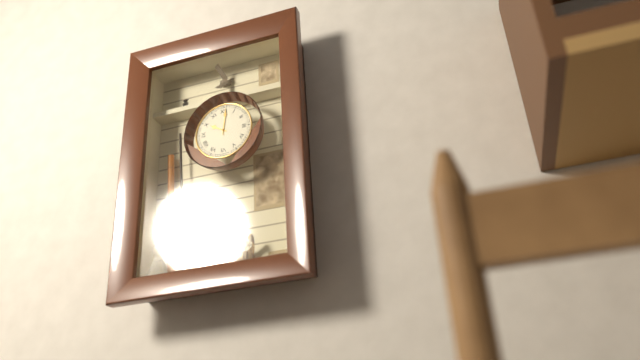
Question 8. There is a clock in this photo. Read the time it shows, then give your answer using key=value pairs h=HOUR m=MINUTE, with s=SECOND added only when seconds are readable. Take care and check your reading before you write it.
h=10 m=1
